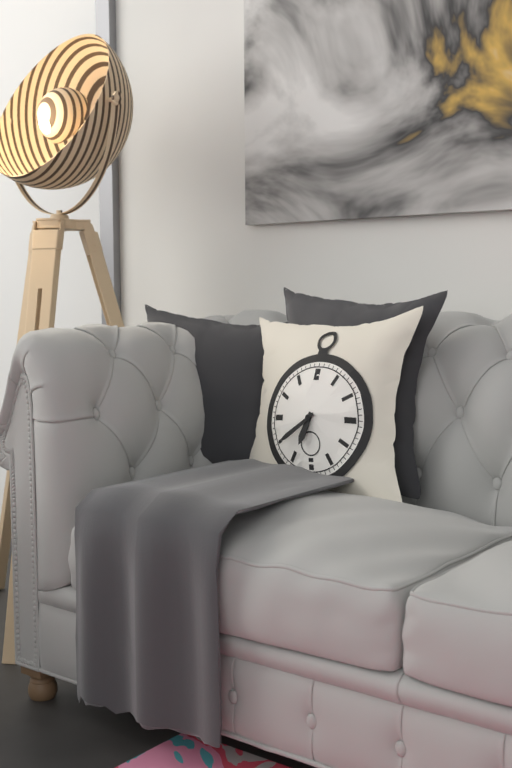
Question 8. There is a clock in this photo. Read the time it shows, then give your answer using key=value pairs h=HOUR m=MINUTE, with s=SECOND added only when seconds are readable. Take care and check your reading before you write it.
h=6 m=39
